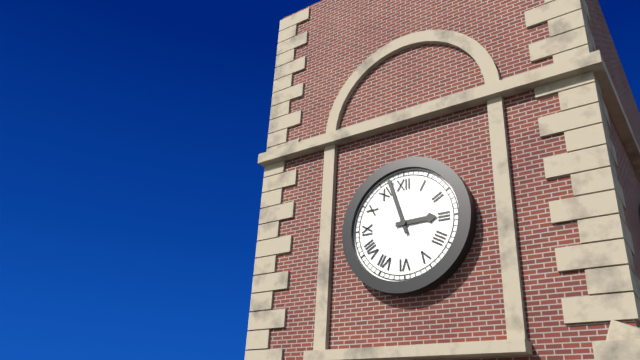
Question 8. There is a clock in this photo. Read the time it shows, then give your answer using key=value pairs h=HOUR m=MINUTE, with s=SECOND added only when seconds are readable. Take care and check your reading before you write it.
h=2 m=57
